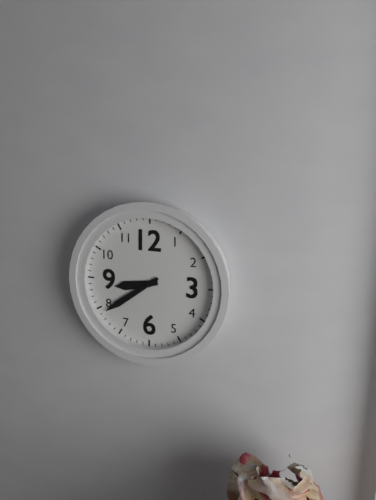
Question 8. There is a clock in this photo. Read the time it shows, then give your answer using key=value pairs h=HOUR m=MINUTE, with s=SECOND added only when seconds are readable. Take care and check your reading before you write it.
h=8 m=39
